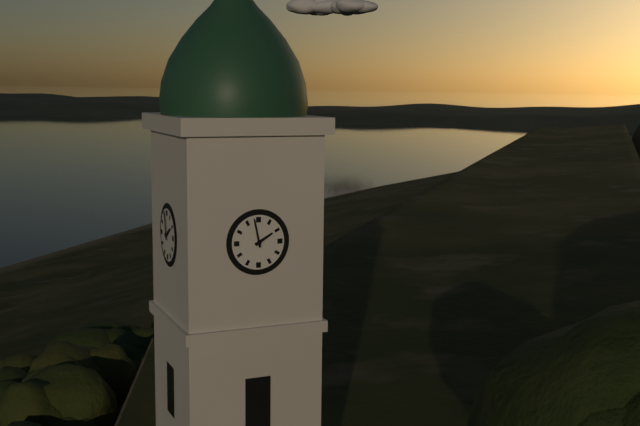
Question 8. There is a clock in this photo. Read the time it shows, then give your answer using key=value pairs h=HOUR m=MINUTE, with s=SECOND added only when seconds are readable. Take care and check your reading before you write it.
h=1 m=58
